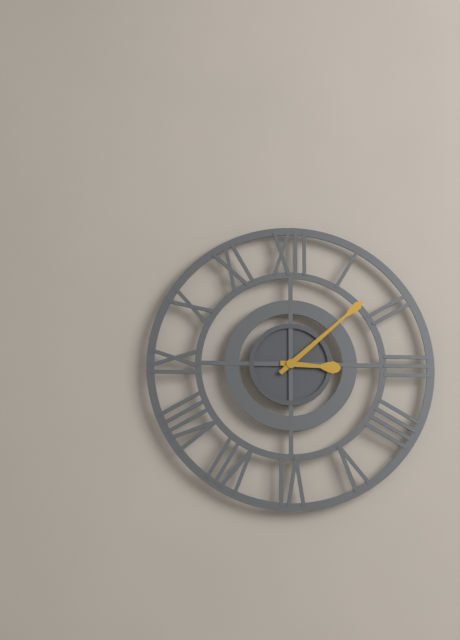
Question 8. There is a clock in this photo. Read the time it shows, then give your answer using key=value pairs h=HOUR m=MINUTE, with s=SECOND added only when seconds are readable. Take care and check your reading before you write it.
h=3 m=8
